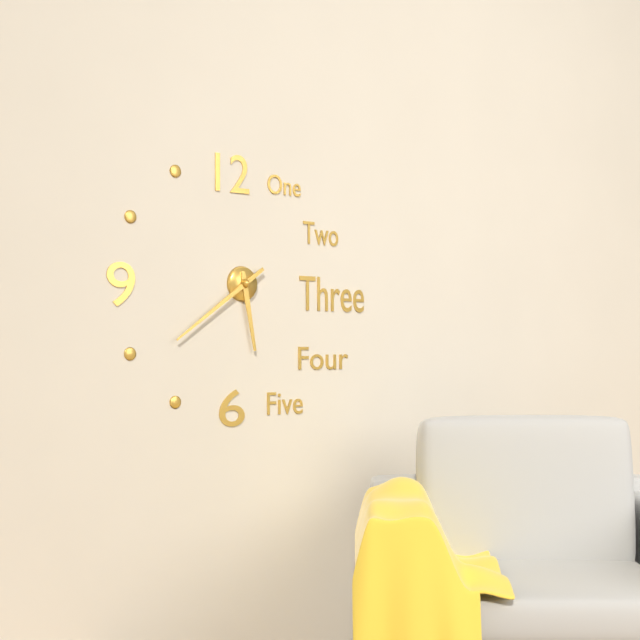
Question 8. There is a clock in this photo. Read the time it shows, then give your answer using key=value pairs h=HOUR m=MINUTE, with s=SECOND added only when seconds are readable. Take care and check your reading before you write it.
h=5 m=39
